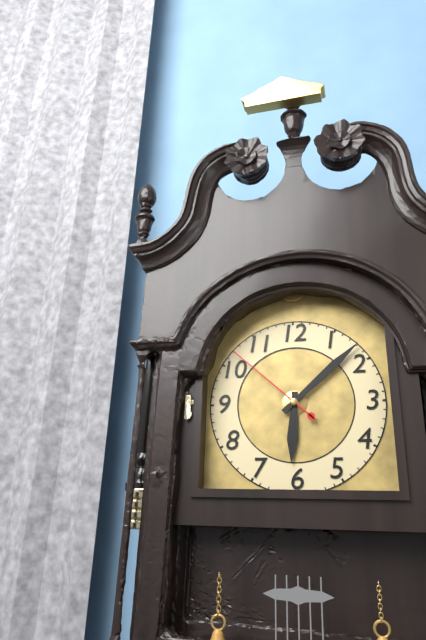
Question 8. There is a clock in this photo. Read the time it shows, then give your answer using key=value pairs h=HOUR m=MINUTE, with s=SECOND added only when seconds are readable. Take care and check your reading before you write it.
h=6 m=8 s=52
